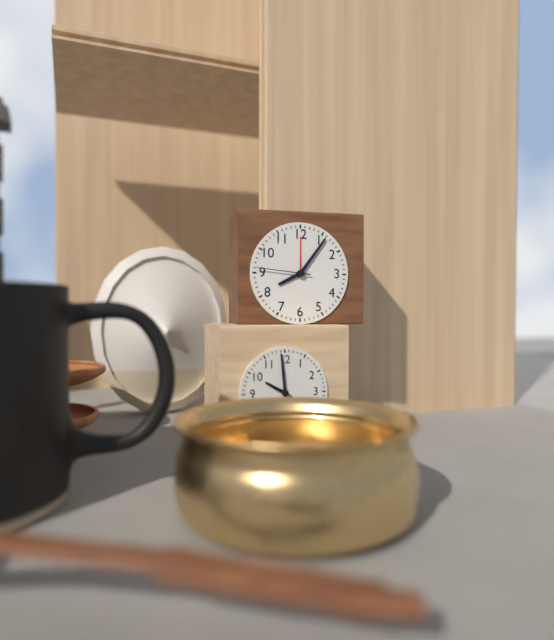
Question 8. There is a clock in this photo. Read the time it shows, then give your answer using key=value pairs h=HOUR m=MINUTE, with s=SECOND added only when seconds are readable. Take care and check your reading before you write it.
h=8 m=6 s=46
